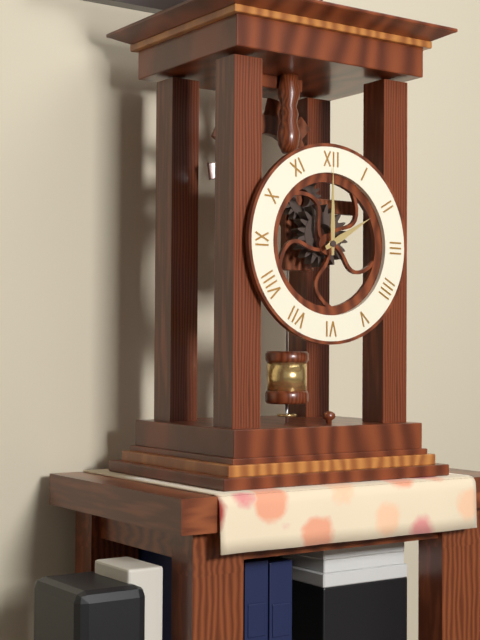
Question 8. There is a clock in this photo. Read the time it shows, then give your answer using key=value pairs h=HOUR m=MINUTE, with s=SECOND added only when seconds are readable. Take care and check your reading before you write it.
h=2 m=0
